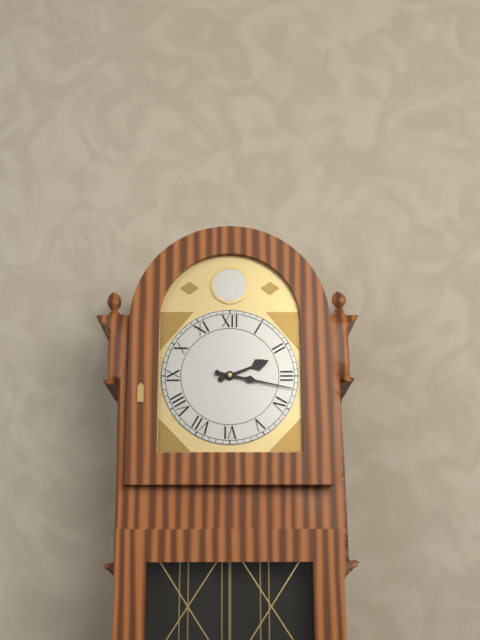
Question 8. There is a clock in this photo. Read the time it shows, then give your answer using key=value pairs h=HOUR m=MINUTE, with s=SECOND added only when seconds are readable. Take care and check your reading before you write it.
h=2 m=17
